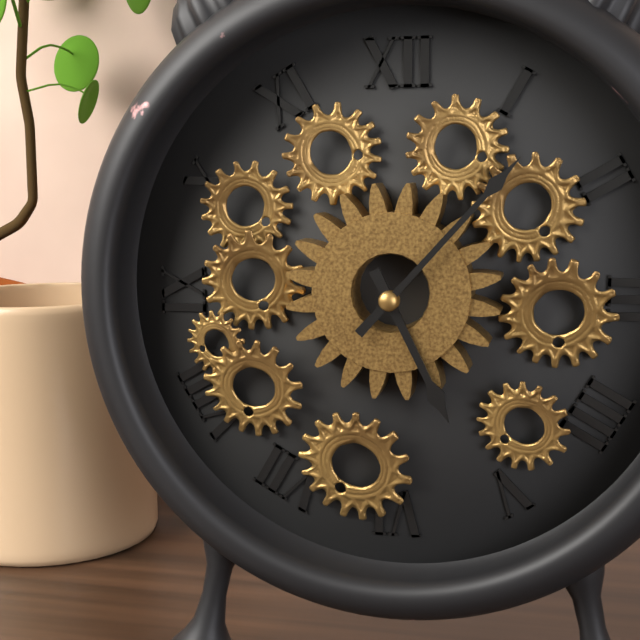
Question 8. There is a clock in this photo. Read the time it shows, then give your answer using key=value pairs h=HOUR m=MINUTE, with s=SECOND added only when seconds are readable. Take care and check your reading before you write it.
h=5 m=7
